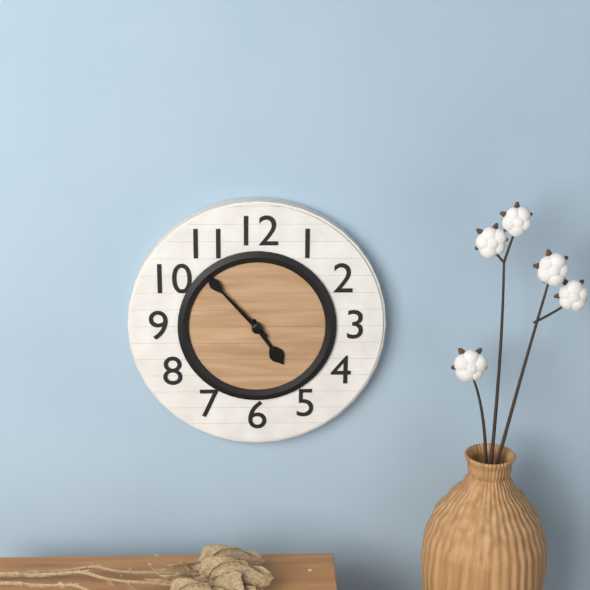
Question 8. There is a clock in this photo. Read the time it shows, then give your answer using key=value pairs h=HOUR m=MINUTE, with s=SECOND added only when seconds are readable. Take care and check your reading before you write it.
h=4 m=53
